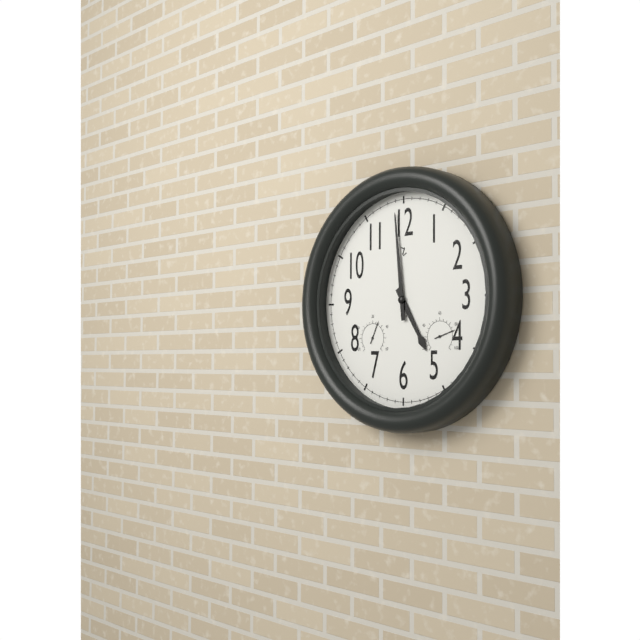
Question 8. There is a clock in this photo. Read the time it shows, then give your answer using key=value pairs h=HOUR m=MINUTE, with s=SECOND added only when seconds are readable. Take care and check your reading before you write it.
h=4 m=59
